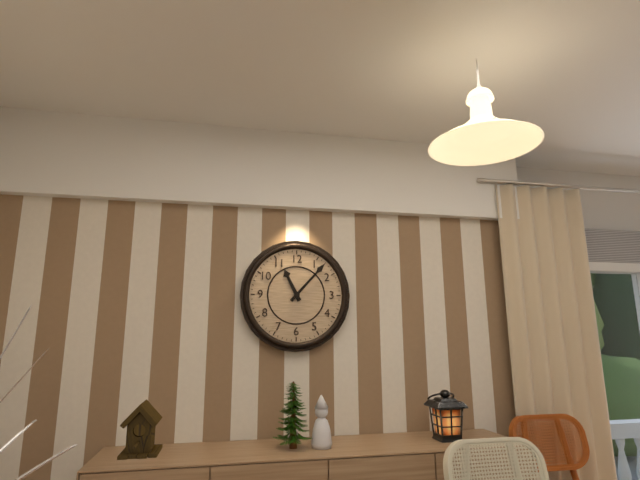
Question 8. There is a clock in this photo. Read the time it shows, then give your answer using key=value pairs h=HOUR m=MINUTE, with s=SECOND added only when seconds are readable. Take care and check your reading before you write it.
h=11 m=7
